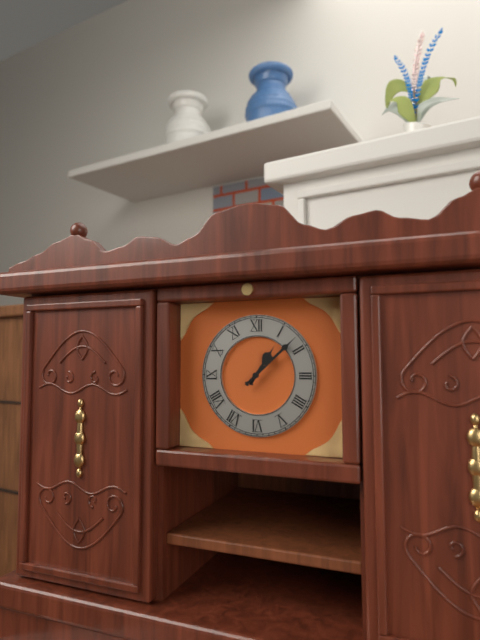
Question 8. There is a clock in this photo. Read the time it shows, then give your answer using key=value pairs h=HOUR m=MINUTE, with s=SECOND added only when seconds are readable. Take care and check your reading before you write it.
h=1 m=8
